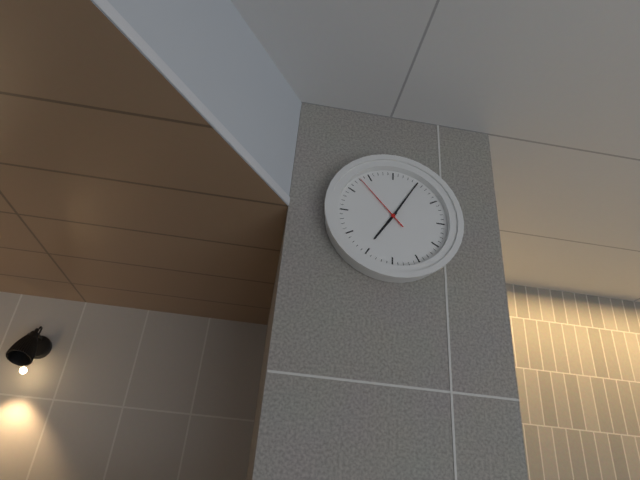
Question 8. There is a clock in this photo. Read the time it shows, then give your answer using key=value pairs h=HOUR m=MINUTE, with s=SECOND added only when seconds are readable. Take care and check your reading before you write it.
h=7 m=5 s=53
